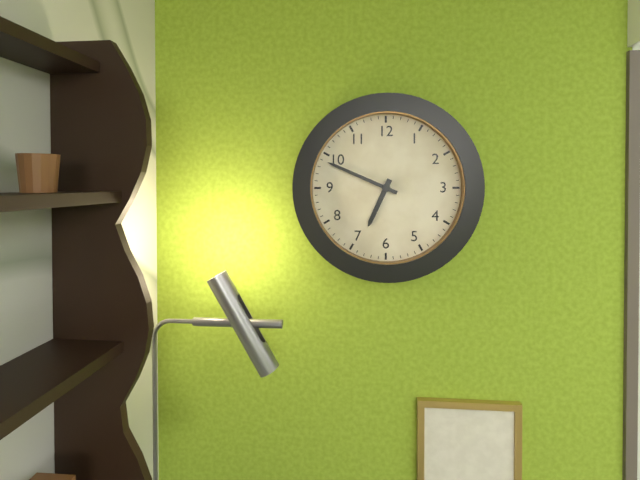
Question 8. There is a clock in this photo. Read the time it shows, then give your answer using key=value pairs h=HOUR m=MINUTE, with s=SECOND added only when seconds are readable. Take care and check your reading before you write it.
h=6 m=49
